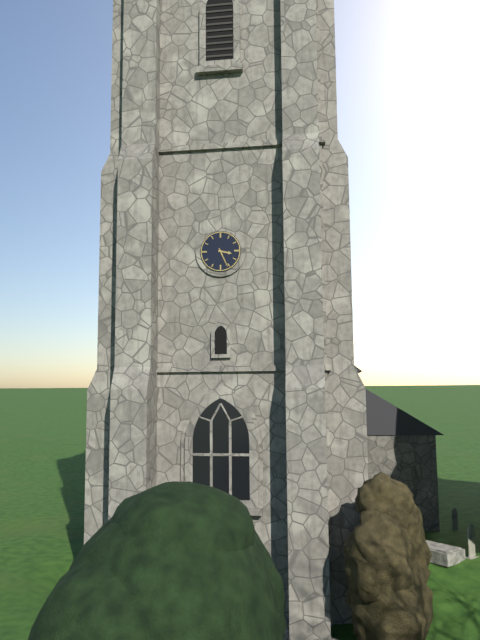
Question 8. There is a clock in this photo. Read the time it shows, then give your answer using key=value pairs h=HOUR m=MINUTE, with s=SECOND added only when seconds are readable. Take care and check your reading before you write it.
h=3 m=26
